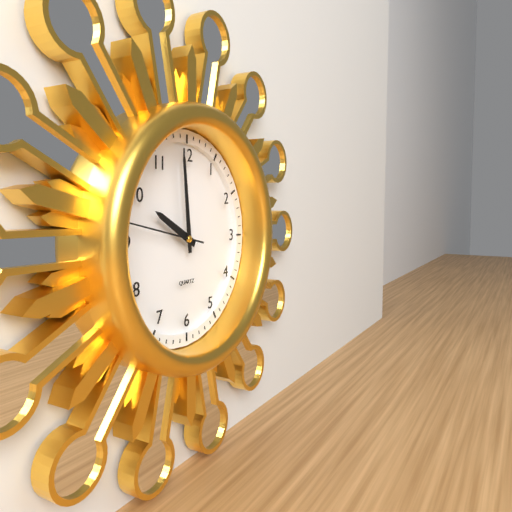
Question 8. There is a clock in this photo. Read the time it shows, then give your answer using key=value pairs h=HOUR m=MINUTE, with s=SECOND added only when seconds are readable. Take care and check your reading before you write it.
h=9 m=59 s=47
